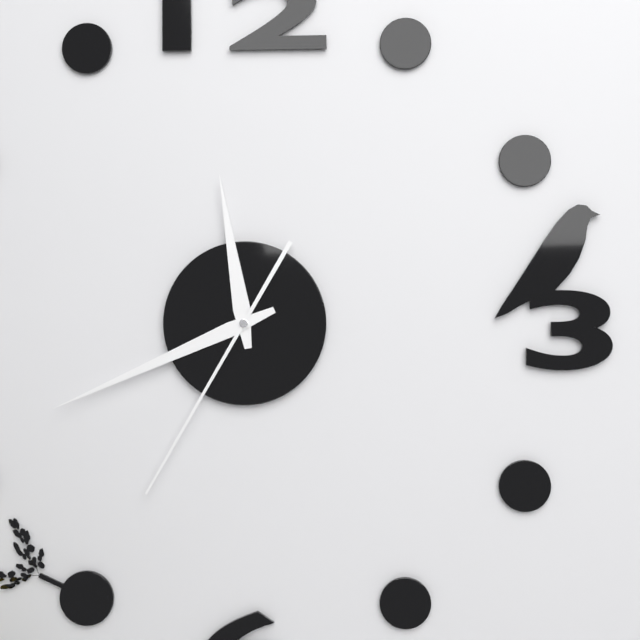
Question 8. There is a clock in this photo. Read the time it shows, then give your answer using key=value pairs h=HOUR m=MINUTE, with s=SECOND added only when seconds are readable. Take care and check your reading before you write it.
h=11 m=41 s=35
